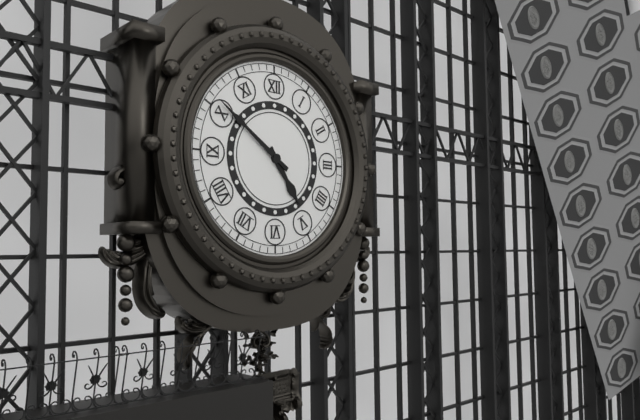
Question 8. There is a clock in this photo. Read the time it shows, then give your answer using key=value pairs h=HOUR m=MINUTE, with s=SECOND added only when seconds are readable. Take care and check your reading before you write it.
h=4 m=51
